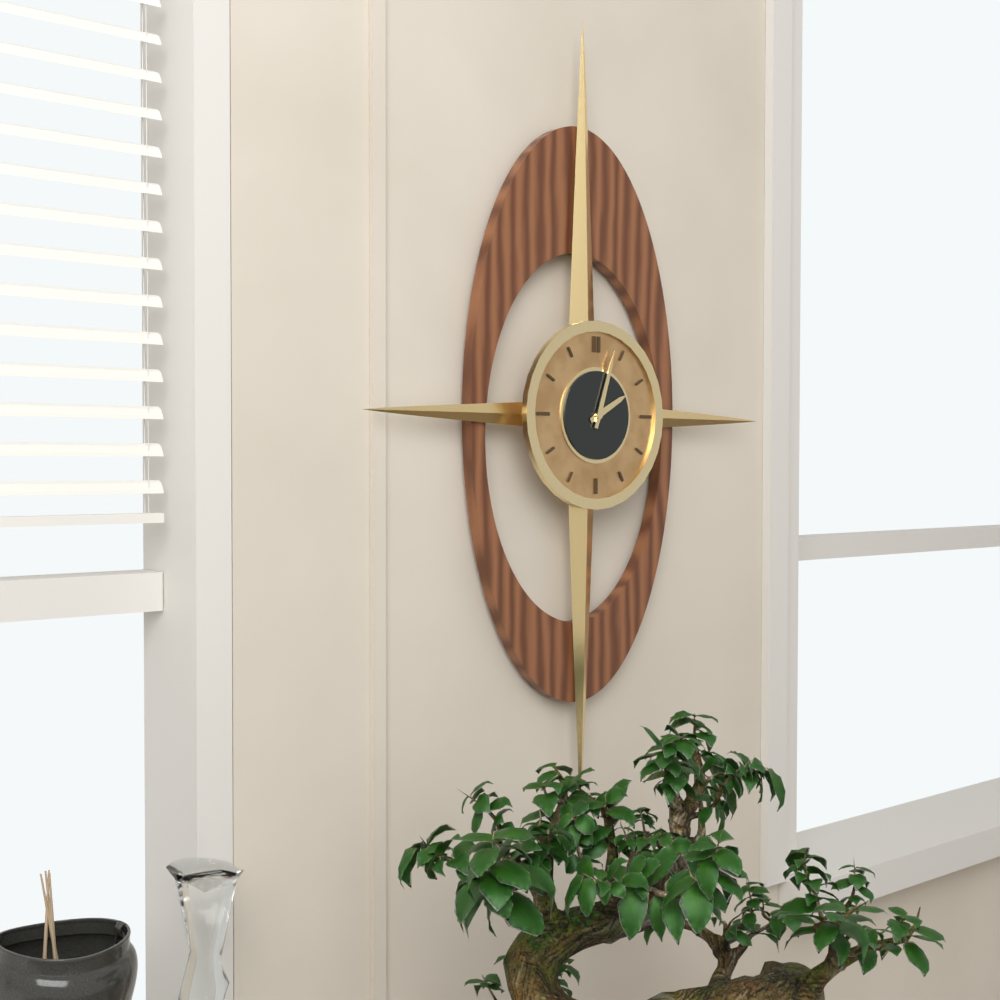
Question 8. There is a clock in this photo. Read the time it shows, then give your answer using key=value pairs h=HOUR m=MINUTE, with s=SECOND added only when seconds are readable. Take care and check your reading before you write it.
h=2 m=3
